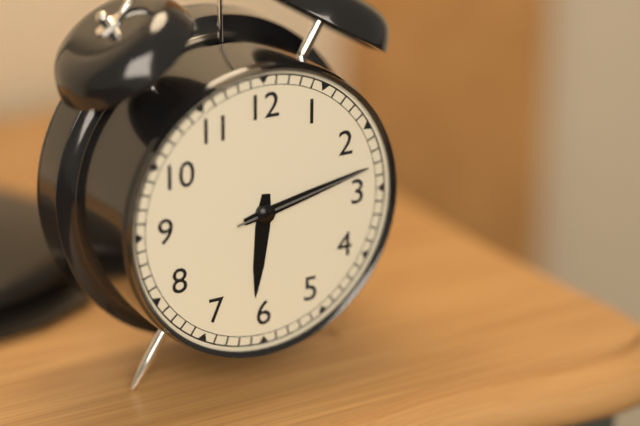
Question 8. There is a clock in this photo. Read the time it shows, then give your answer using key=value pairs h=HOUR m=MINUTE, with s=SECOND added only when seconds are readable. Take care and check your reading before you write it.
h=6 m=13 s=13
